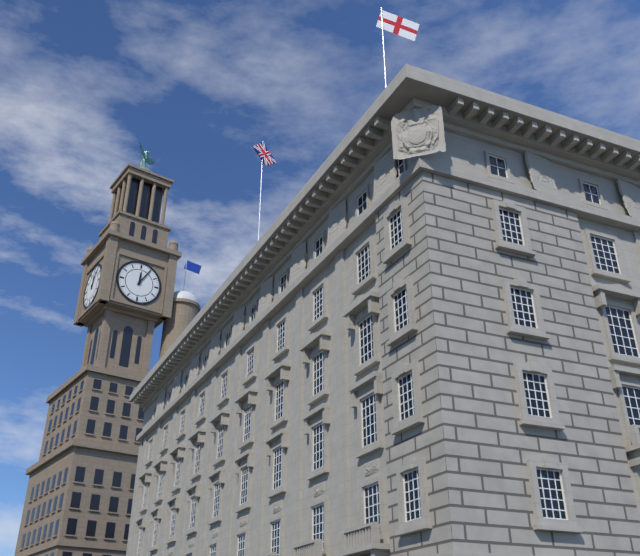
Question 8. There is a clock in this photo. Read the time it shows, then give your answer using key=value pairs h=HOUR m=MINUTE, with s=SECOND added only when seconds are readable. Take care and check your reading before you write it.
h=12 m=5
